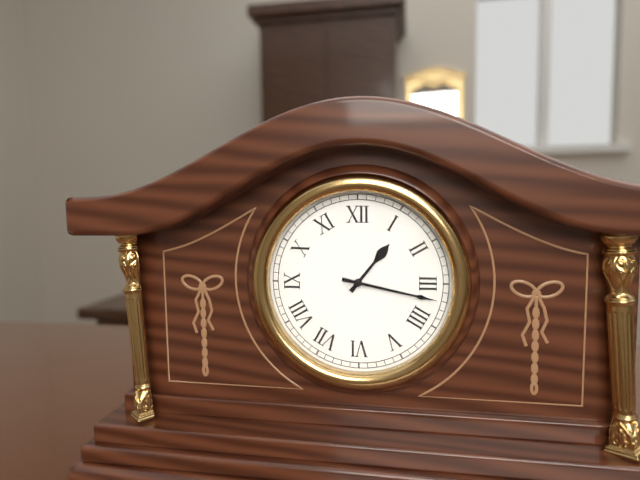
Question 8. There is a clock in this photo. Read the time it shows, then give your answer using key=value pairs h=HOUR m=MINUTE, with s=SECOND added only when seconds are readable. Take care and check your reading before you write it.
h=1 m=17
